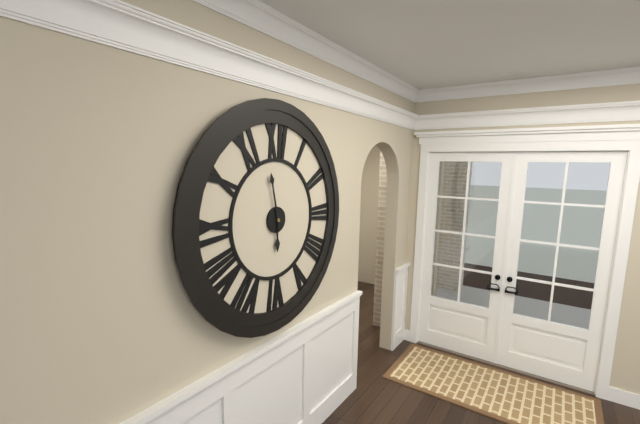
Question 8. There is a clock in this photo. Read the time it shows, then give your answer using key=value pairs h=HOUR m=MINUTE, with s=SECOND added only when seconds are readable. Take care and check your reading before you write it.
h=5 m=58
